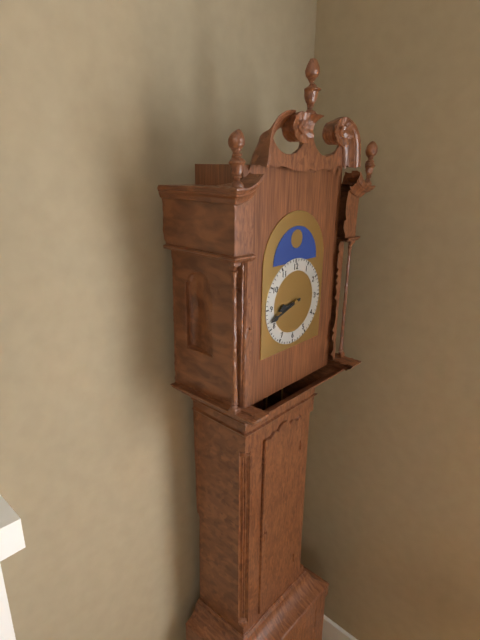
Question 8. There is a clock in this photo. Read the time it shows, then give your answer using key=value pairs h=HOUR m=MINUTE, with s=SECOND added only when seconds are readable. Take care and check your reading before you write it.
h=8 m=42
